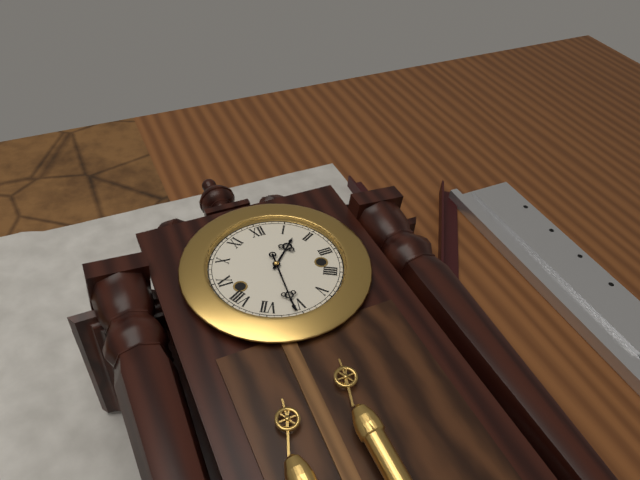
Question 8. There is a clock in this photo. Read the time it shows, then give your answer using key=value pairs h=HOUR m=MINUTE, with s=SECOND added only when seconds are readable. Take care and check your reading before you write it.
h=1 m=31
